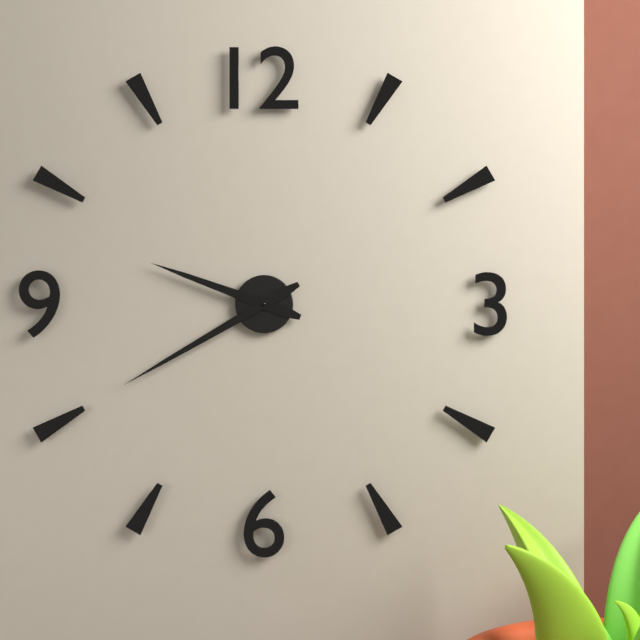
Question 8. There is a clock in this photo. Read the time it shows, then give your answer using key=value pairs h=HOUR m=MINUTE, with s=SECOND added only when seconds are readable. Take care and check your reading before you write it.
h=9 m=40
